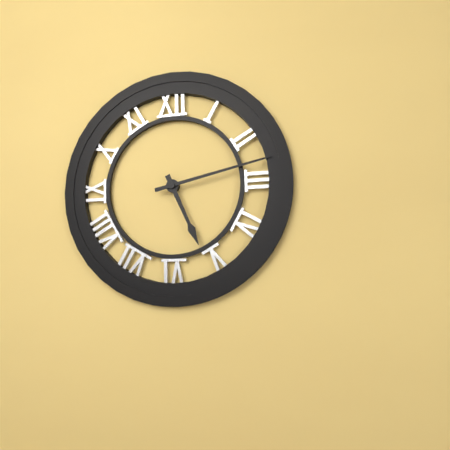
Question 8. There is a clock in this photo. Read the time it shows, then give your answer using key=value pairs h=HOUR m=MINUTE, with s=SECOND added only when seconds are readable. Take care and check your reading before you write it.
h=5 m=13
